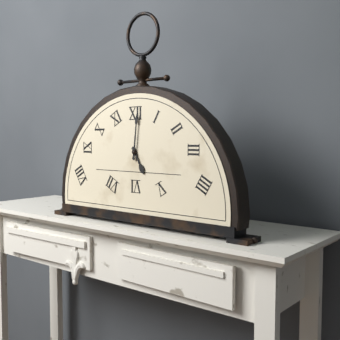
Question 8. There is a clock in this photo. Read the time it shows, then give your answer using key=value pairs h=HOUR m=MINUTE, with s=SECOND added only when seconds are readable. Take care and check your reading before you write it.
h=5 m=1
